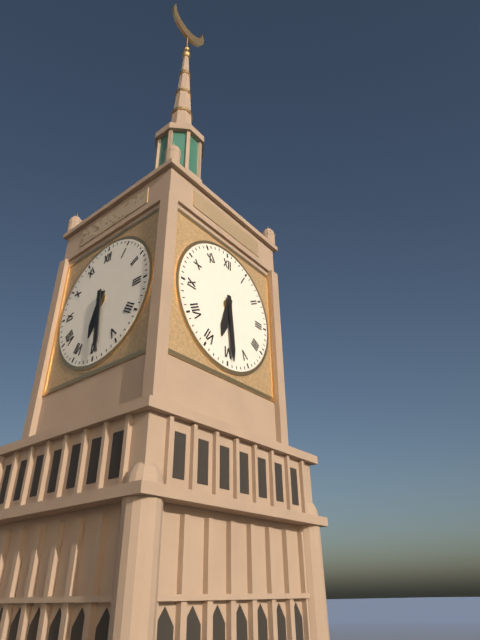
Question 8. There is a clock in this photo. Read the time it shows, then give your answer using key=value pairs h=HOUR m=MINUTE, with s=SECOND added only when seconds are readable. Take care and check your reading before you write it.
h=6 m=29
